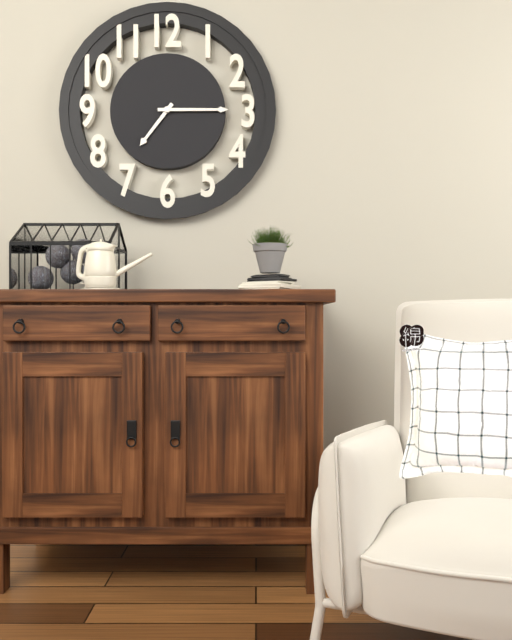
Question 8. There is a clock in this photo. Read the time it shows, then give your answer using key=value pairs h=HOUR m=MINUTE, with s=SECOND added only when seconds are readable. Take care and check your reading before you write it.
h=7 m=15
